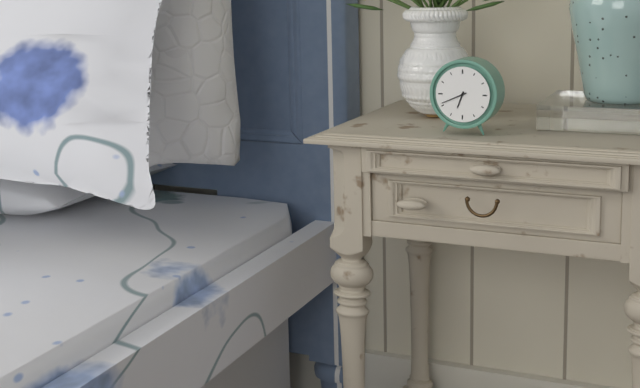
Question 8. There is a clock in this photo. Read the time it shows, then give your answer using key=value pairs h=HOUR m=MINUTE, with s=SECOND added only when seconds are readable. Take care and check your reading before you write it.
h=6 m=41
